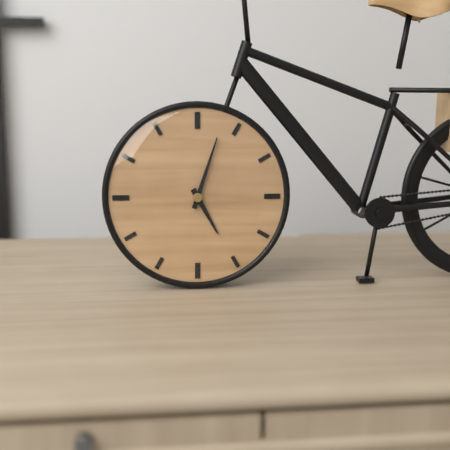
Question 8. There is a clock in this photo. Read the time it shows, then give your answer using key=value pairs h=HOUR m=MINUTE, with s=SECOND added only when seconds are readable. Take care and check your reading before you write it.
h=5 m=3
